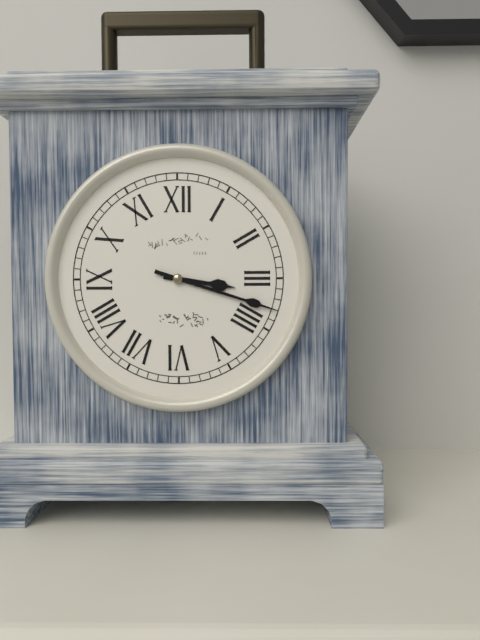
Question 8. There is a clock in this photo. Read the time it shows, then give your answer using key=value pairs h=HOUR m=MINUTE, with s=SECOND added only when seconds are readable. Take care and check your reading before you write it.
h=3 m=18
